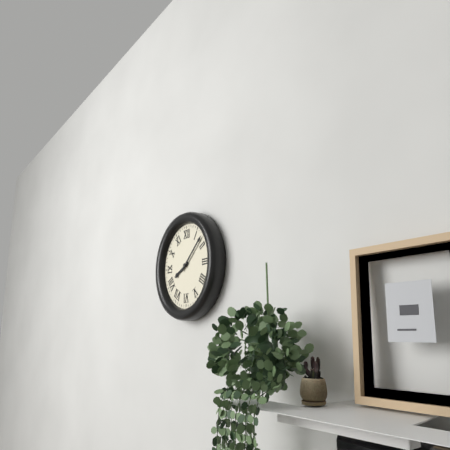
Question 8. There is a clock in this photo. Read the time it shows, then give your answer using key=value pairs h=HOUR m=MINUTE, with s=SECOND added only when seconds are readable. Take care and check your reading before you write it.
h=8 m=8
